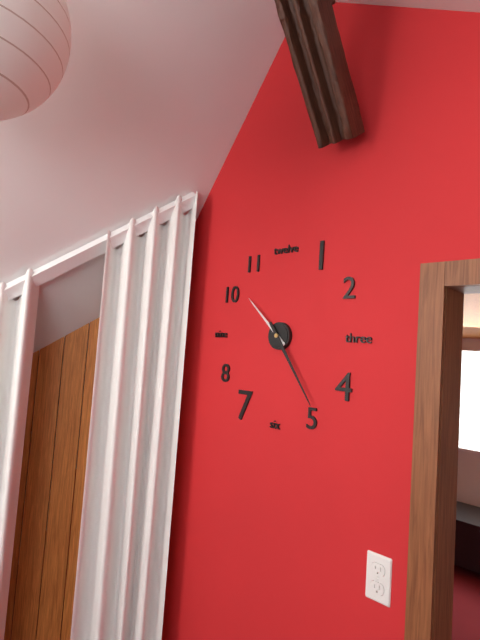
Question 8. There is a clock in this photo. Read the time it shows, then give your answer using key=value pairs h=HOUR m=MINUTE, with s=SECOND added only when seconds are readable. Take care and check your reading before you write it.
h=10 m=24
